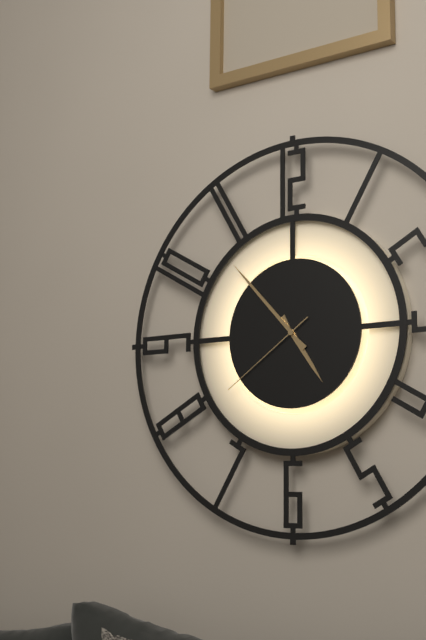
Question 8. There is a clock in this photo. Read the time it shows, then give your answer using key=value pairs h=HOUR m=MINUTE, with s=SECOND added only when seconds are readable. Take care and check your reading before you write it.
h=4 m=53 s=39
